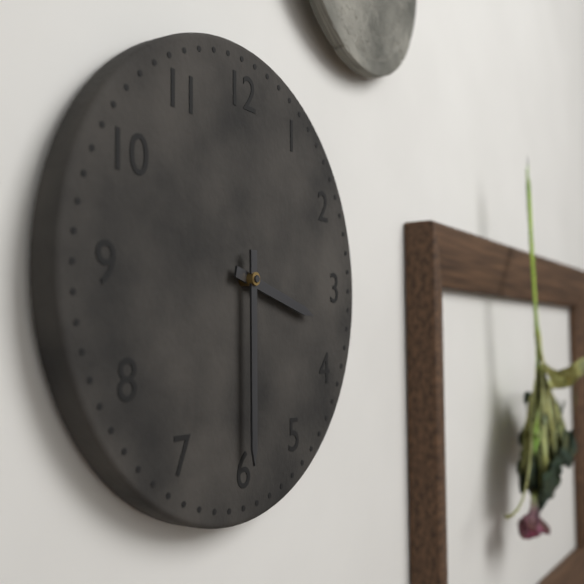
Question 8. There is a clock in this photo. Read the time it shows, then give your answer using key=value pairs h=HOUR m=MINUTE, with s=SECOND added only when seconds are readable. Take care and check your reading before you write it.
h=3 m=30
